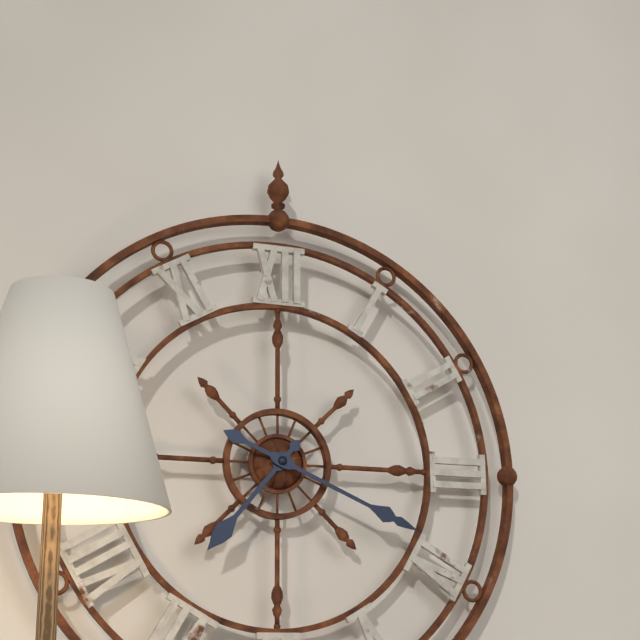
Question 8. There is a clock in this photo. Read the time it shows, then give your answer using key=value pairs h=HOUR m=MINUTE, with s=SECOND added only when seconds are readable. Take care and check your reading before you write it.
h=7 m=19
